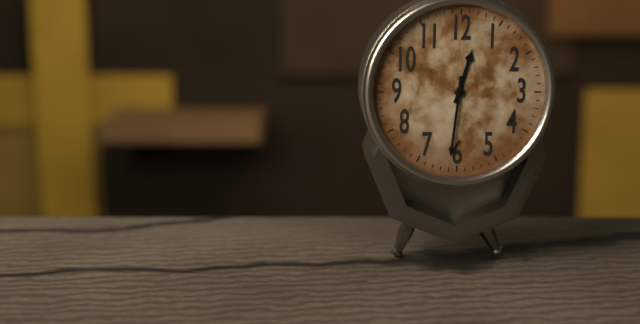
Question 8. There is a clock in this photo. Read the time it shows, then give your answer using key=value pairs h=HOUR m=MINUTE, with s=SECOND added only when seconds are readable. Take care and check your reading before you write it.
h=12 m=31
